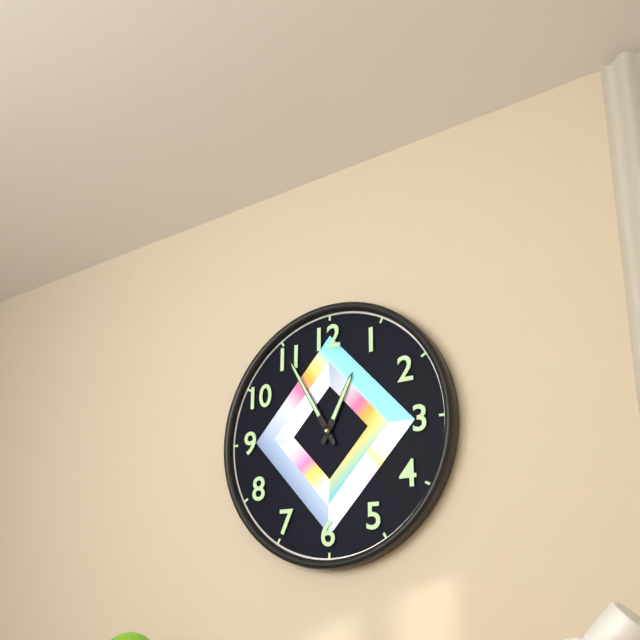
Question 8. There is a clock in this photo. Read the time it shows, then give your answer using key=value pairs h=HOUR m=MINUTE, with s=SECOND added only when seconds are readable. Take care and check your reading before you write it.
h=12 m=55
